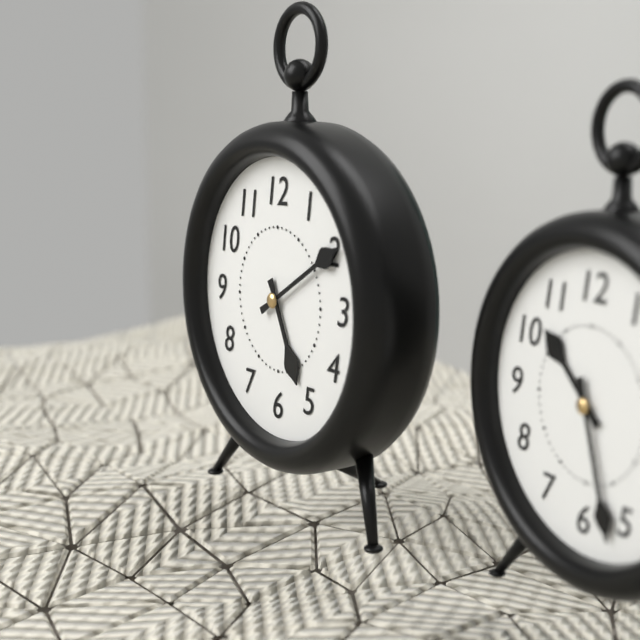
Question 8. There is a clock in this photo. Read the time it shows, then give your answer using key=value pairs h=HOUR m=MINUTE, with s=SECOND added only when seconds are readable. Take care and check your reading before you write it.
h=5 m=10
